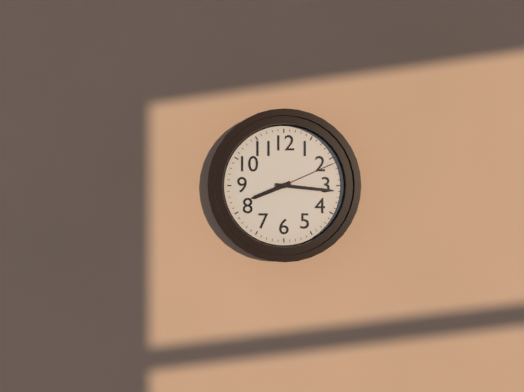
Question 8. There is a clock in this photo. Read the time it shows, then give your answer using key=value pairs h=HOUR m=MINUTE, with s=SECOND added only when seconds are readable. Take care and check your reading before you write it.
h=8 m=16 s=11
